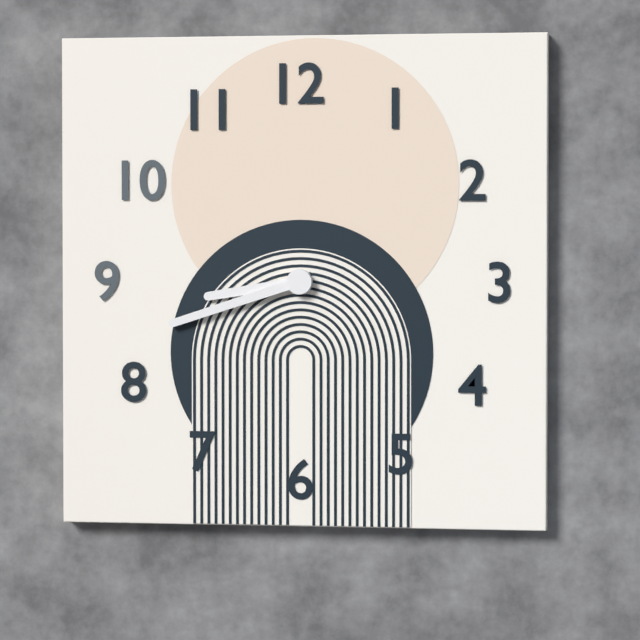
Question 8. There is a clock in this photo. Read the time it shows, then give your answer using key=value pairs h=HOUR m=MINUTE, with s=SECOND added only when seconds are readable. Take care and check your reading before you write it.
h=8 m=42
